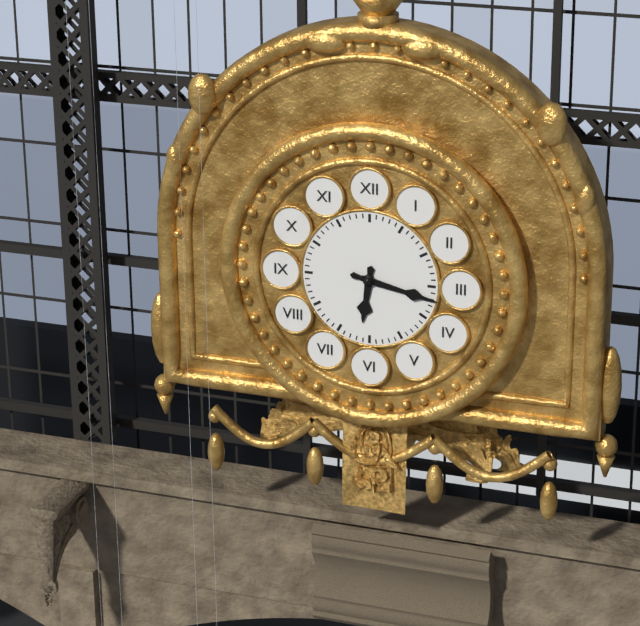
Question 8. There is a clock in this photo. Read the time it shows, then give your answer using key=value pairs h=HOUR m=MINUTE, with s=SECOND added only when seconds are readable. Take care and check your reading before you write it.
h=6 m=17
